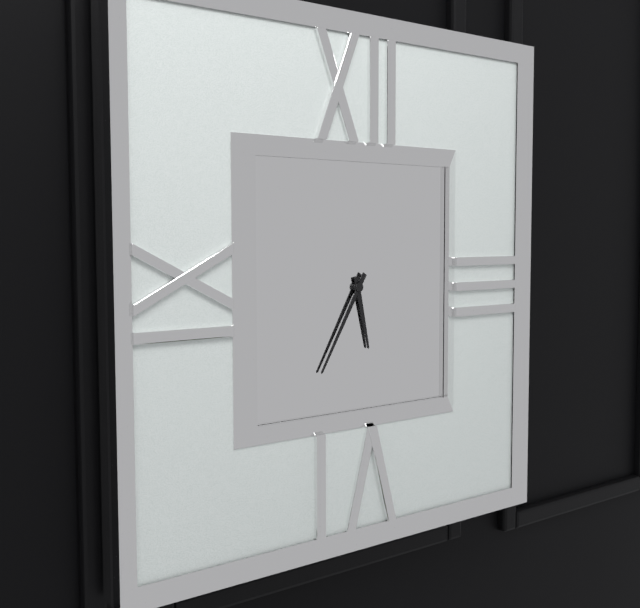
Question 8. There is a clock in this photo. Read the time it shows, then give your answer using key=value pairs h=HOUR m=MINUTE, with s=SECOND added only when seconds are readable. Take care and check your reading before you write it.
h=5 m=35
